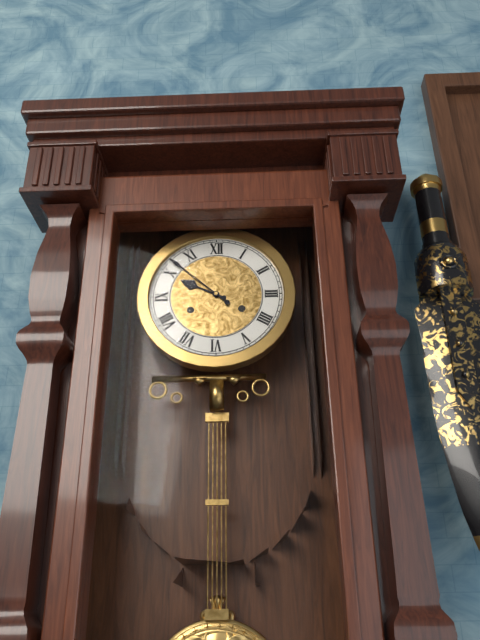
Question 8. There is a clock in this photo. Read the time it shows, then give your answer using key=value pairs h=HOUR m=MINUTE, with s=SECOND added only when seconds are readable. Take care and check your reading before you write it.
h=9 m=52
